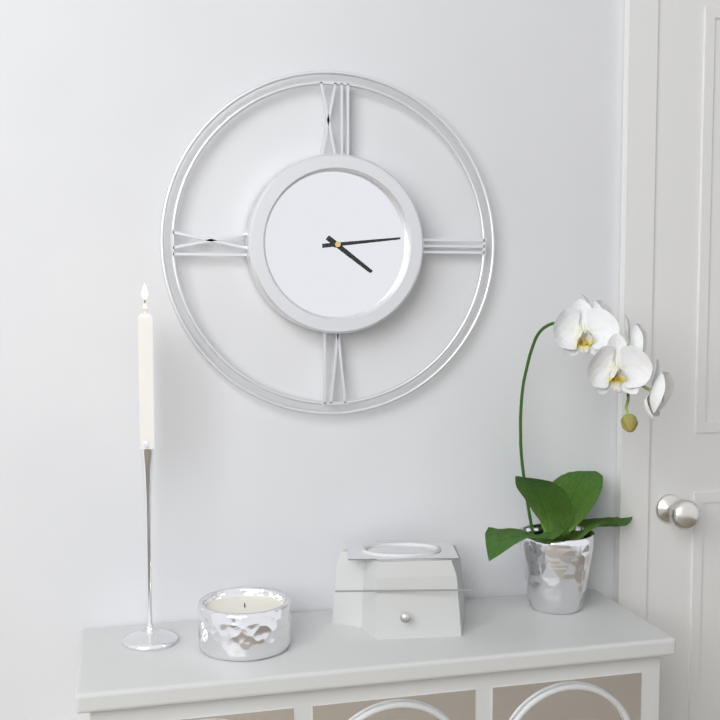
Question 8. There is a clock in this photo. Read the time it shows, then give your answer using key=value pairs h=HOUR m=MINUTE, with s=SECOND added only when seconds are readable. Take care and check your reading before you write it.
h=4 m=14
